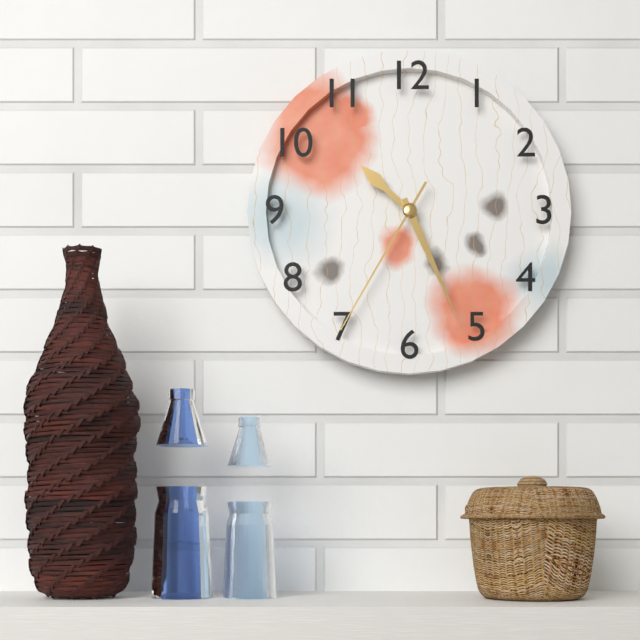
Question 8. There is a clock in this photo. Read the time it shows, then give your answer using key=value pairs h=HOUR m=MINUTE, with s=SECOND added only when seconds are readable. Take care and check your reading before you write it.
h=10 m=26 s=35
